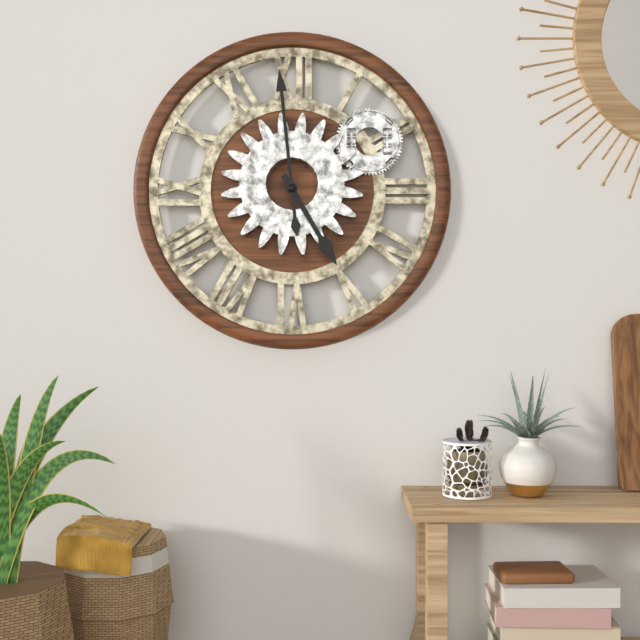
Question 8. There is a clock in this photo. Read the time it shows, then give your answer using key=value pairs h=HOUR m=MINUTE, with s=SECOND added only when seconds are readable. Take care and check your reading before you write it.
h=4 m=59
